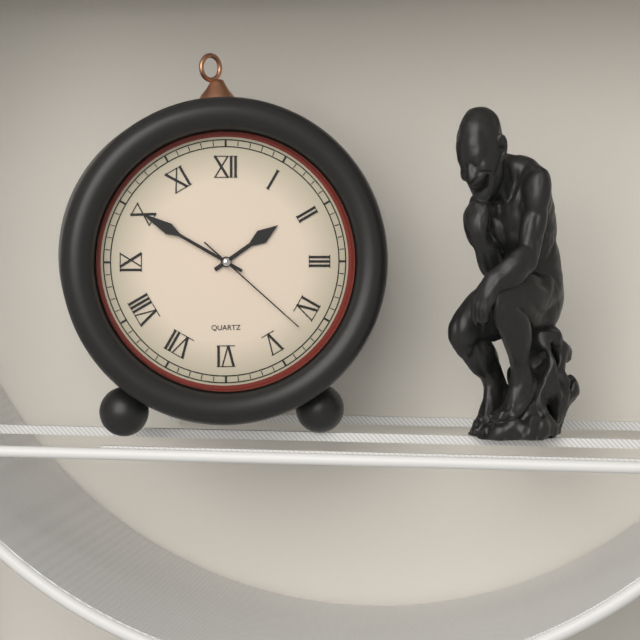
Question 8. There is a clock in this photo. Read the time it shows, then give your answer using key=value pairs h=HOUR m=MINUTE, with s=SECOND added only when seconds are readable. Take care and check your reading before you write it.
h=1 m=50 s=22
